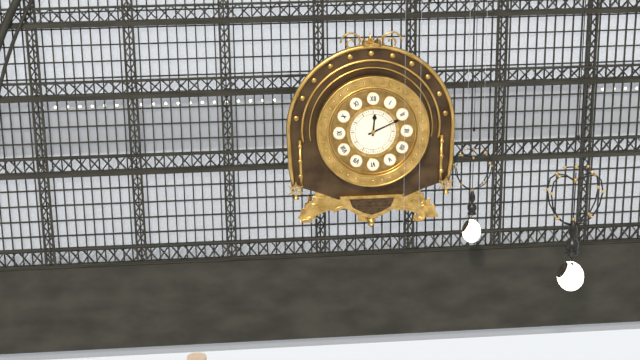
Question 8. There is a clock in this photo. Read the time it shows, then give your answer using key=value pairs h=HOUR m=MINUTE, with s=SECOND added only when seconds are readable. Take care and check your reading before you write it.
h=12 m=11
